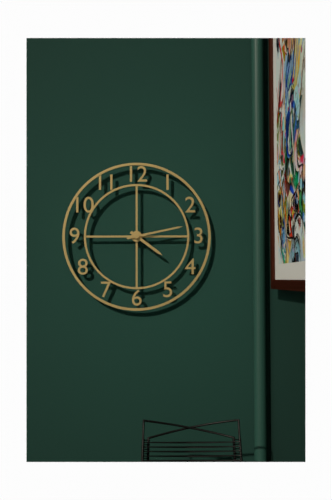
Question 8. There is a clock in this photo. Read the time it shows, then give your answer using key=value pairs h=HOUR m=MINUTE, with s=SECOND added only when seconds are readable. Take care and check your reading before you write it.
h=4 m=13
